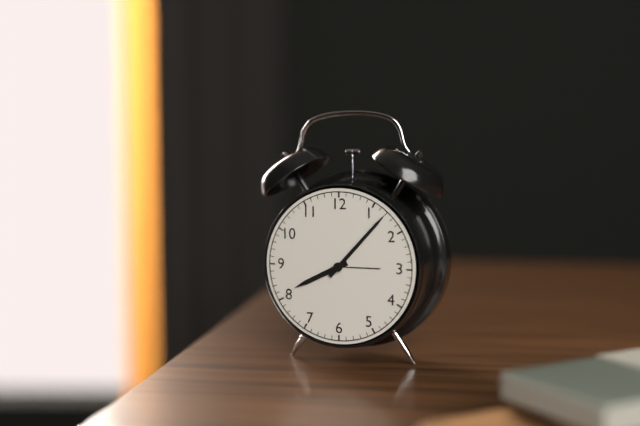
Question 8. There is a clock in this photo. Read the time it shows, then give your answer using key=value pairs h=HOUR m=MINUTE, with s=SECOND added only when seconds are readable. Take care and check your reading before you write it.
h=8 m=7
